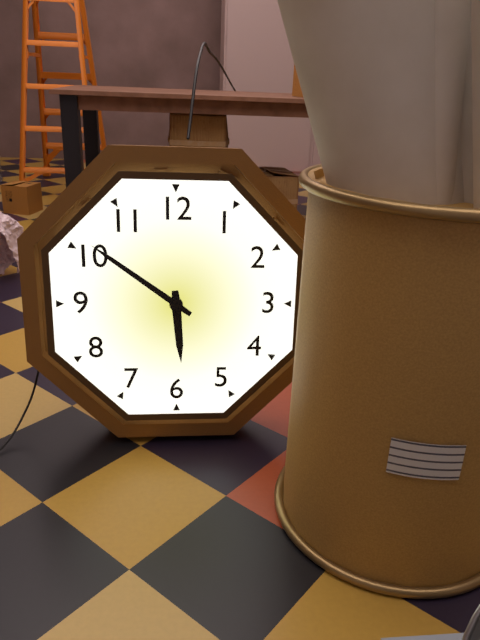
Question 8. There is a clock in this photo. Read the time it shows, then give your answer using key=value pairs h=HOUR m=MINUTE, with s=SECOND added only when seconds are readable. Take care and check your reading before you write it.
h=5 m=51
